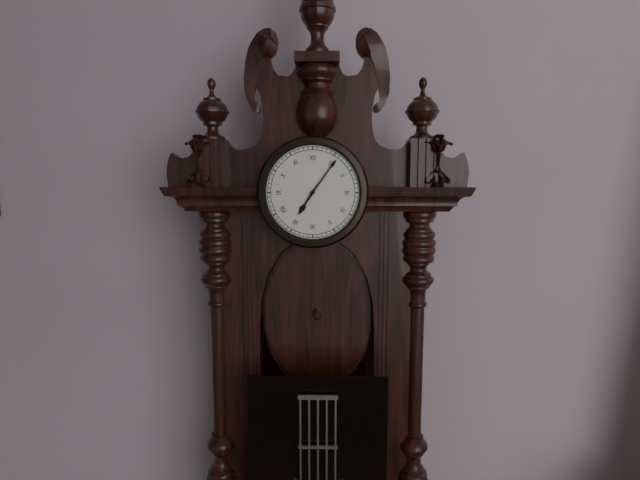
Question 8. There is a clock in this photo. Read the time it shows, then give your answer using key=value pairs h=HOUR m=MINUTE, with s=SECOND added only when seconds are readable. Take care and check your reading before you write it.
h=7 m=6
